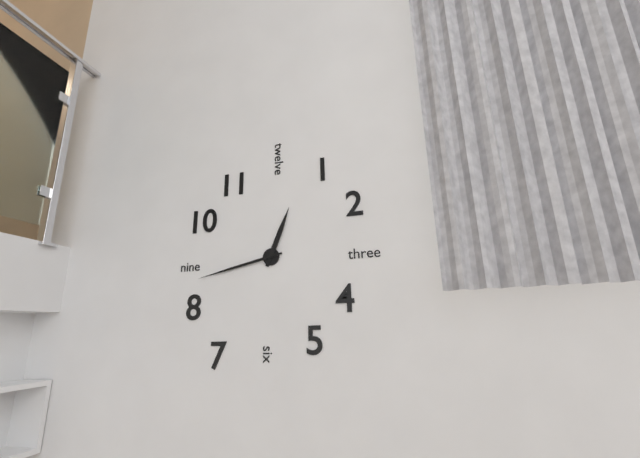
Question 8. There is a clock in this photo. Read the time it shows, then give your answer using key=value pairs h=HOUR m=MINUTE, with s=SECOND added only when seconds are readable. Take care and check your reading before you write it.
h=12 m=43
